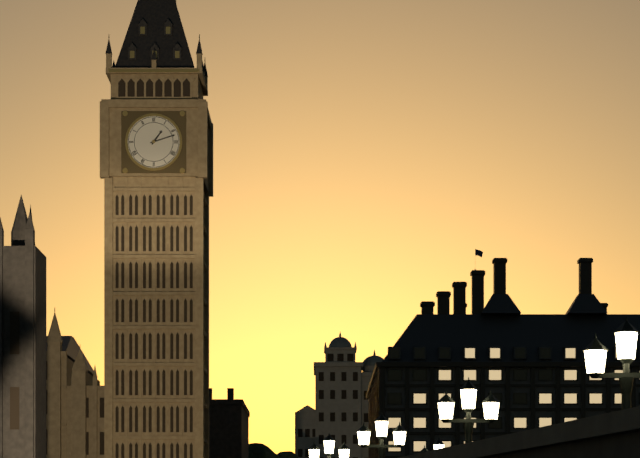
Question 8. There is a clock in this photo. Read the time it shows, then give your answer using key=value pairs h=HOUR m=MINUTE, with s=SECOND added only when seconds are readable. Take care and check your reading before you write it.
h=1 m=12
